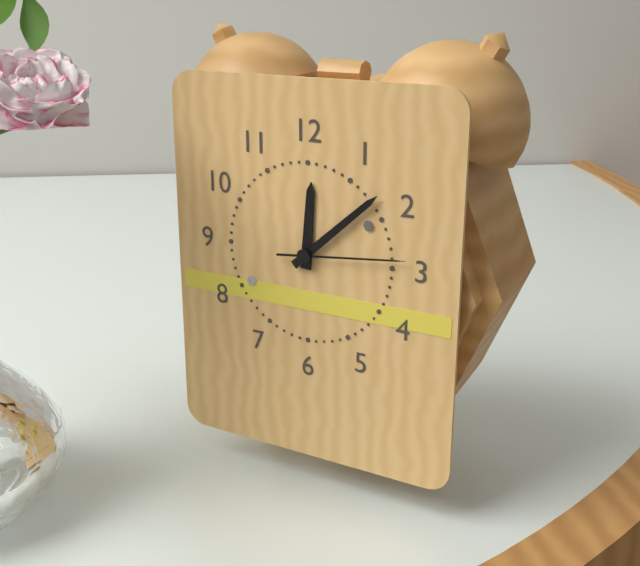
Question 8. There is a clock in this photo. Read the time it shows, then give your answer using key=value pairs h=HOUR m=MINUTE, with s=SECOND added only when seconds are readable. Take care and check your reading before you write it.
h=12 m=8 s=14
